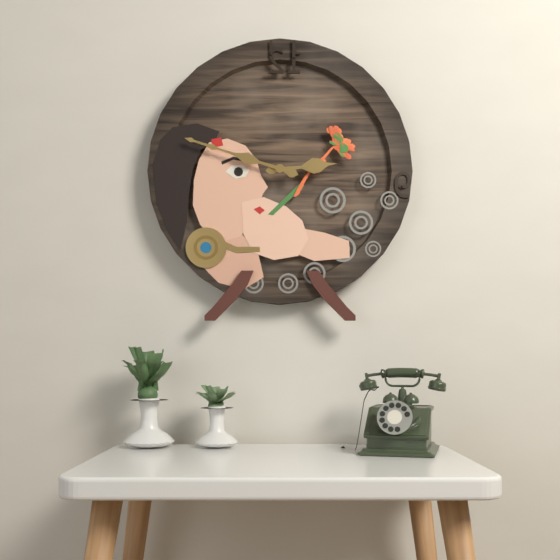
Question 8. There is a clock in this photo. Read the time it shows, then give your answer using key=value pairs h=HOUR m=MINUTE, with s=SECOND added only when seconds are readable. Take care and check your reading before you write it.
h=2 m=48
